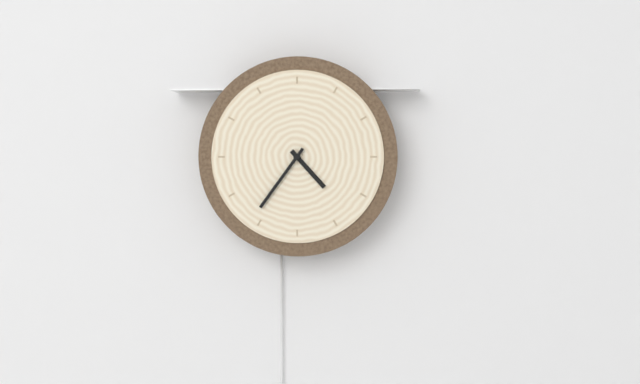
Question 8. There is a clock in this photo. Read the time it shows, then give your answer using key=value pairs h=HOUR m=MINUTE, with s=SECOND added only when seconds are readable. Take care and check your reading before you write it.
h=4 m=36
